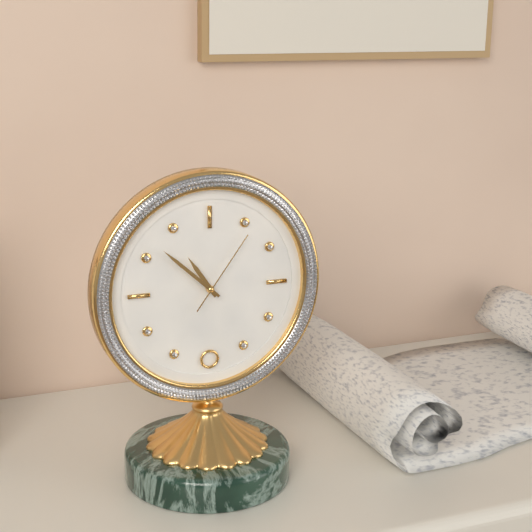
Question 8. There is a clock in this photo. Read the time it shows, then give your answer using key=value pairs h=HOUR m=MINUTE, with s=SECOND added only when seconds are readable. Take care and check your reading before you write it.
h=10 m=52 s=6
